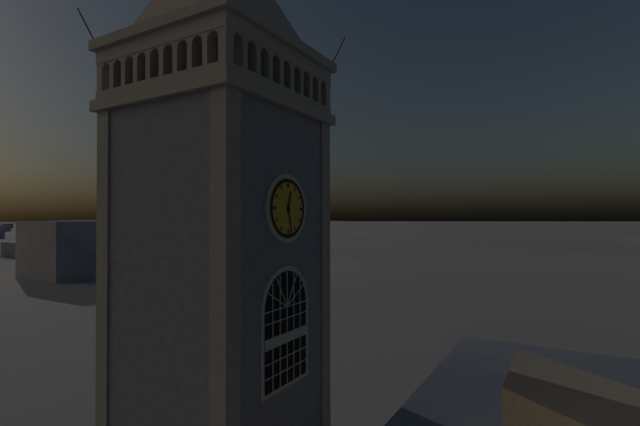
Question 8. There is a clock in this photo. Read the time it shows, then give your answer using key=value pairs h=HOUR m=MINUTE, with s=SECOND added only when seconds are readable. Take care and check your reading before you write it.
h=12 m=28
